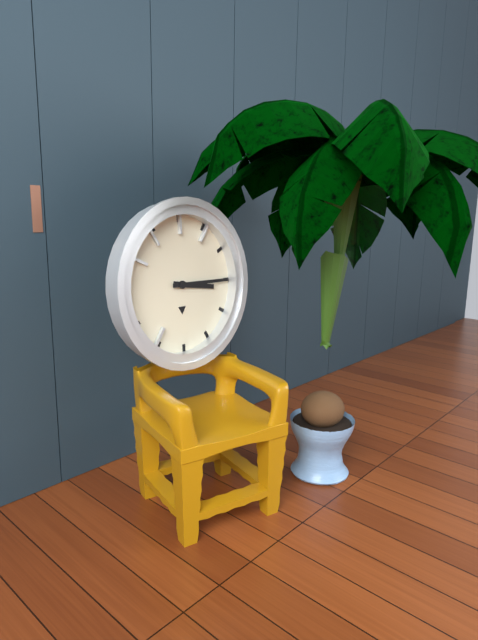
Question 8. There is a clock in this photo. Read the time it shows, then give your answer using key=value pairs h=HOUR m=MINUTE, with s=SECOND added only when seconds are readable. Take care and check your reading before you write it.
h=3 m=15
